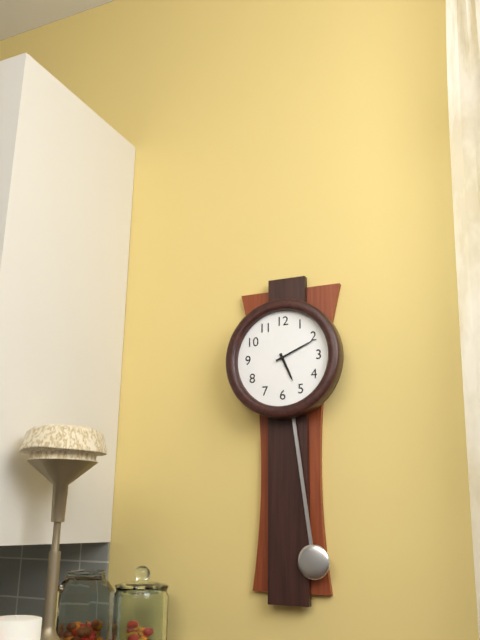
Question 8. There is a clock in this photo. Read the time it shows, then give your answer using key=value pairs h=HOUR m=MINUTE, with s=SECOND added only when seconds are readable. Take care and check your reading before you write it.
h=5 m=11
